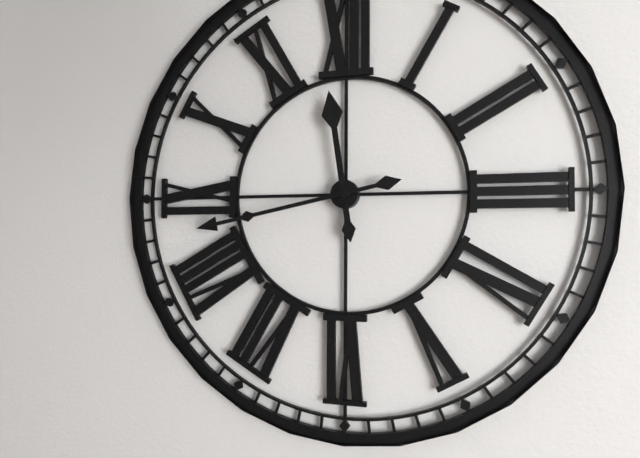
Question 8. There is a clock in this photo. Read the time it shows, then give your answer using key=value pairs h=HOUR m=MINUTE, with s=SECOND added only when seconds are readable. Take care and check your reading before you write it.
h=11 m=43
